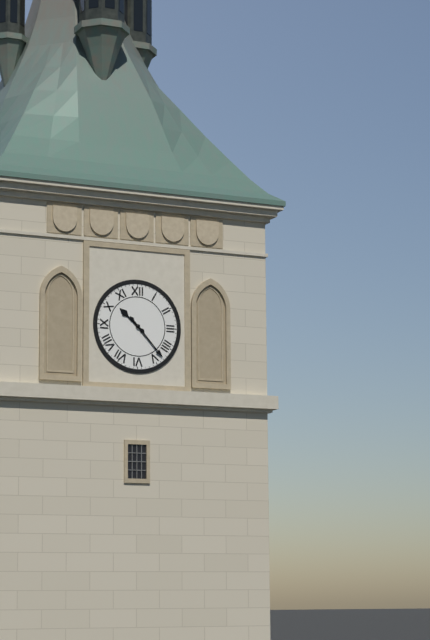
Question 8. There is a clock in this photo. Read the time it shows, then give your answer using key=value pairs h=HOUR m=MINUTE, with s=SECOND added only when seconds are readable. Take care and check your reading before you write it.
h=10 m=23
